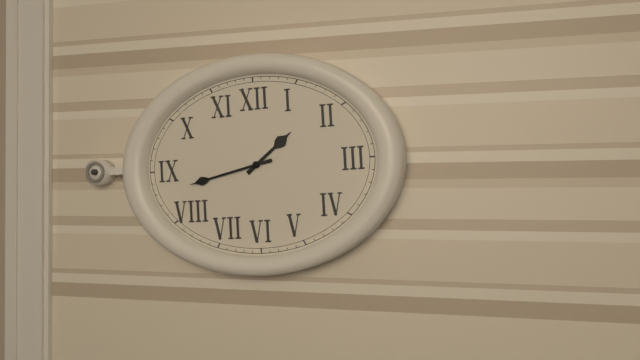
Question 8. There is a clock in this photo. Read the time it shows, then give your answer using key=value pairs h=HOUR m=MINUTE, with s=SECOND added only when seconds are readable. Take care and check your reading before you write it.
h=1 m=43
